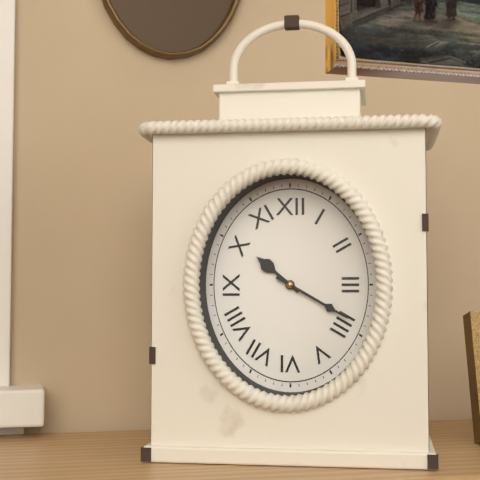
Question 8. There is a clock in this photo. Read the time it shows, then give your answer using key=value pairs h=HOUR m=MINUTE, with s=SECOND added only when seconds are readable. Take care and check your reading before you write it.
h=10 m=20
